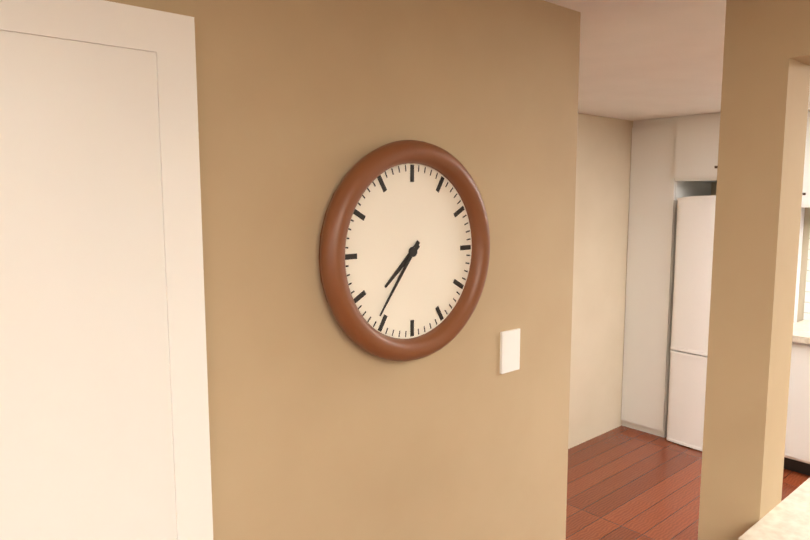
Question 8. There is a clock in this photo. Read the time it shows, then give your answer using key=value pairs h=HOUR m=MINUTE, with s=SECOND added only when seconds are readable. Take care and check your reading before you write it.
h=7 m=36
